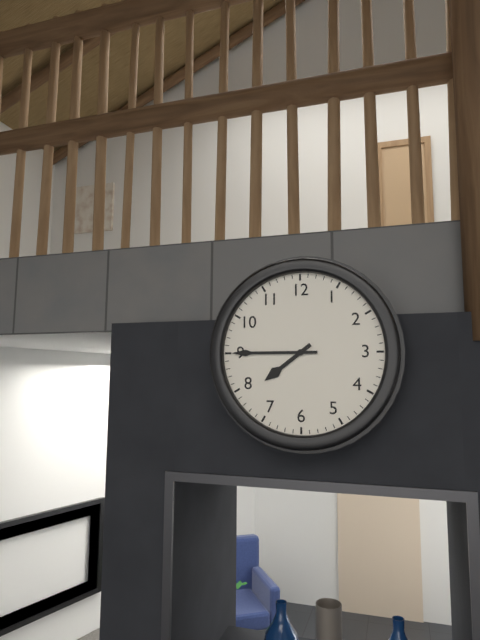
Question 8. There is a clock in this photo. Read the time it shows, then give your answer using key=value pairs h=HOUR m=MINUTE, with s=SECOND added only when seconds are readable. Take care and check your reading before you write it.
h=7 m=45
